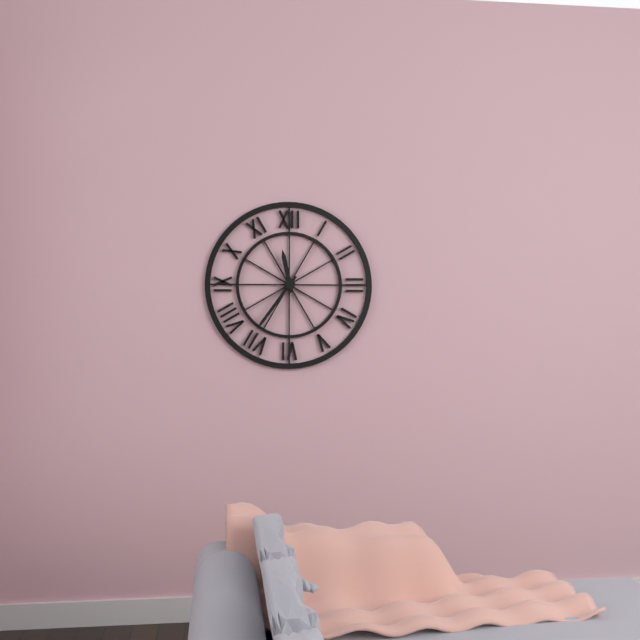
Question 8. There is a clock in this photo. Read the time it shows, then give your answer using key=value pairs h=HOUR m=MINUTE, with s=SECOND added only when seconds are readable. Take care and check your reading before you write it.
h=11 m=36
